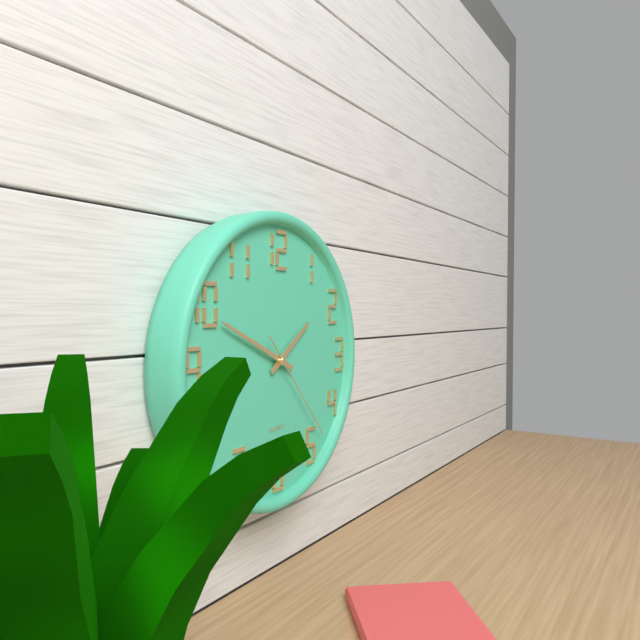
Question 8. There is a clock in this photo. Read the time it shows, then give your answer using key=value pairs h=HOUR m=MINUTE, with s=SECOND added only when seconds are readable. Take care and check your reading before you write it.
h=1 m=49 s=23
